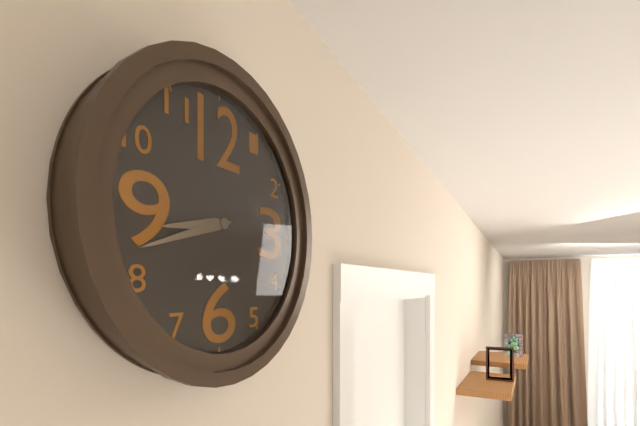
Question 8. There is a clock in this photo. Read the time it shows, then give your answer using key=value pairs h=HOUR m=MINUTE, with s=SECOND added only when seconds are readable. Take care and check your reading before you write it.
h=8 m=42
